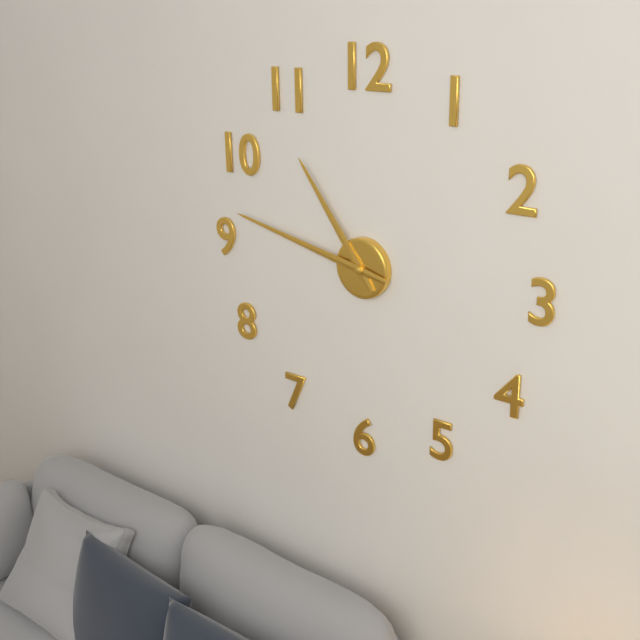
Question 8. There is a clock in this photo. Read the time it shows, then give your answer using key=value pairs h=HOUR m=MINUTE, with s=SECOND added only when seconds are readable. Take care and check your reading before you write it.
h=10 m=47
